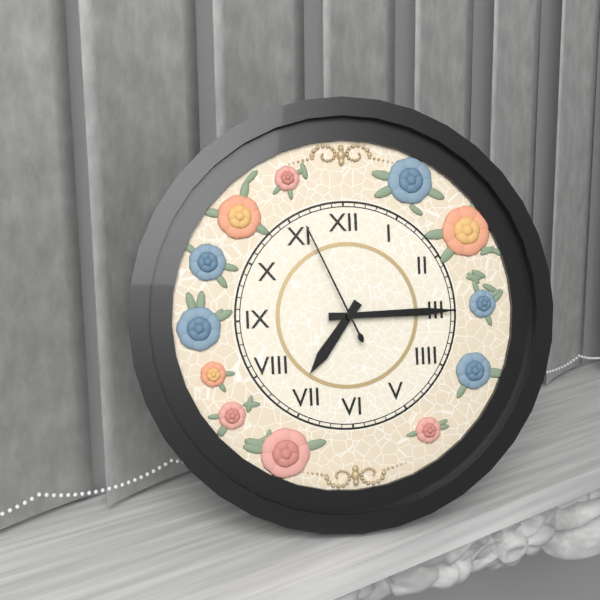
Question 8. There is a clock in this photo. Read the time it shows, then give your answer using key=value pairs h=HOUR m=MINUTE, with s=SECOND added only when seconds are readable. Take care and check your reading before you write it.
h=7 m=15 s=56
